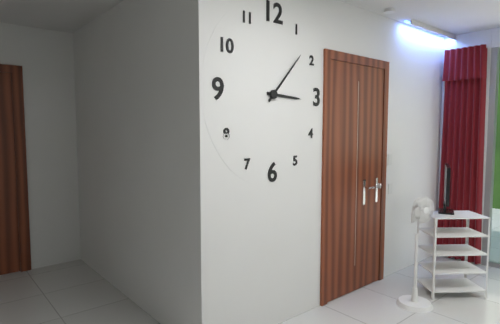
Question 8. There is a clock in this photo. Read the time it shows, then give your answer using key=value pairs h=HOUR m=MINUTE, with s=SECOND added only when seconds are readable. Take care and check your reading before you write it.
h=3 m=7
